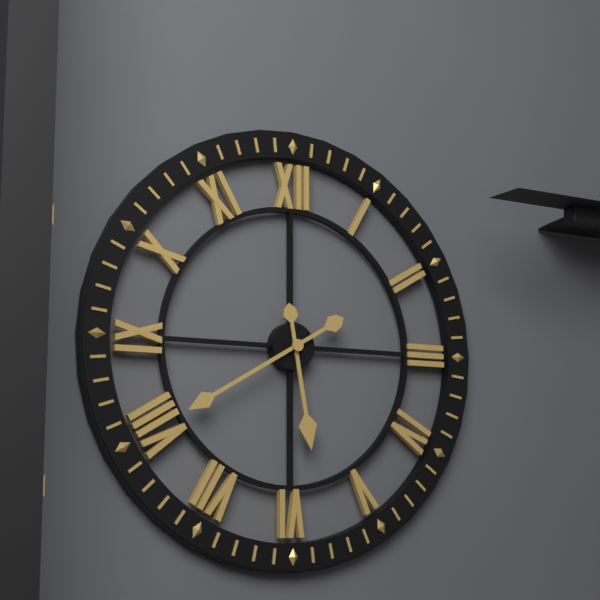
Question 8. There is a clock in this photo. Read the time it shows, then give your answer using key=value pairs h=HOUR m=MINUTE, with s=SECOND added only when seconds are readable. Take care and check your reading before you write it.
h=5 m=40
